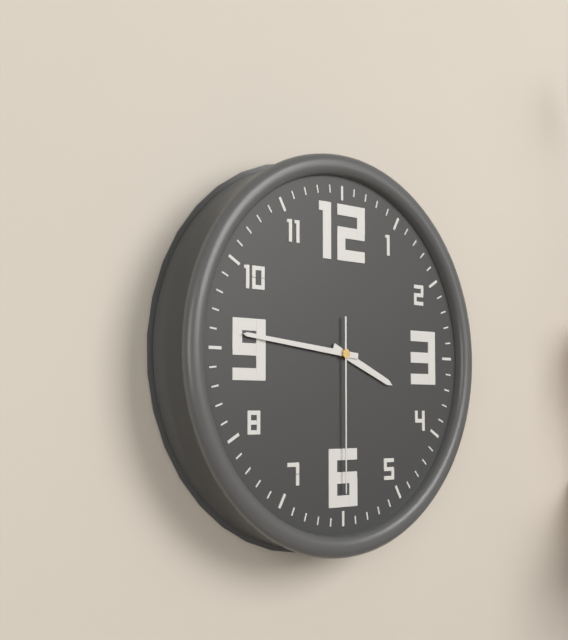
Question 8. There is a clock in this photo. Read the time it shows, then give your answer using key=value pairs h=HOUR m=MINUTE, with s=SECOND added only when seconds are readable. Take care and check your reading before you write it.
h=3 m=46 s=30
